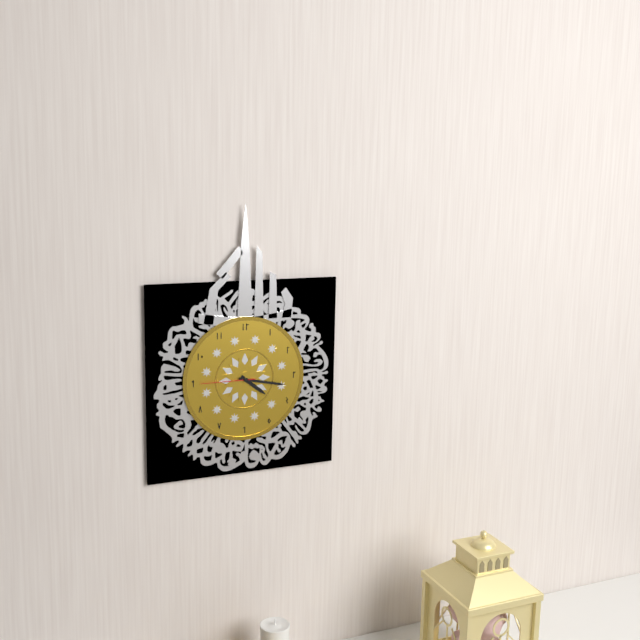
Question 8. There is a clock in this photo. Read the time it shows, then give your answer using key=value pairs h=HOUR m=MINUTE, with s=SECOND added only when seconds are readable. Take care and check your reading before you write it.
h=4 m=17 s=45
